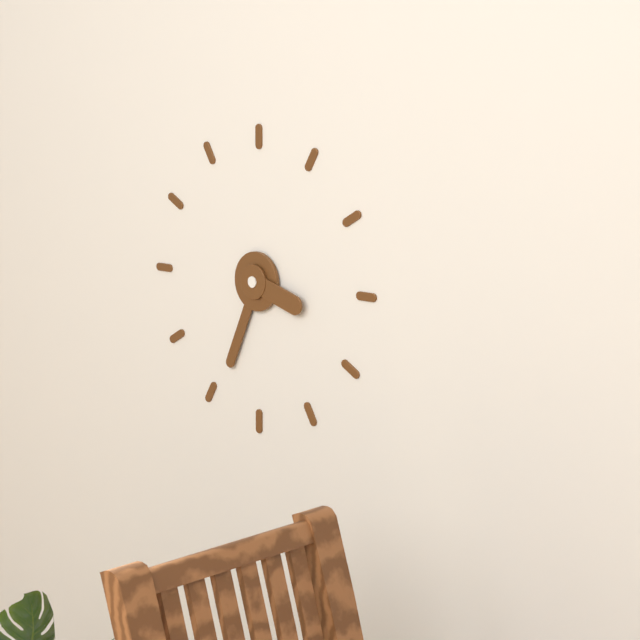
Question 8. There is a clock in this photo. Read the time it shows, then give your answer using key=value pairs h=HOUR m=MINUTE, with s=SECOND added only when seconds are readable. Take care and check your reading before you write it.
h=3 m=34
